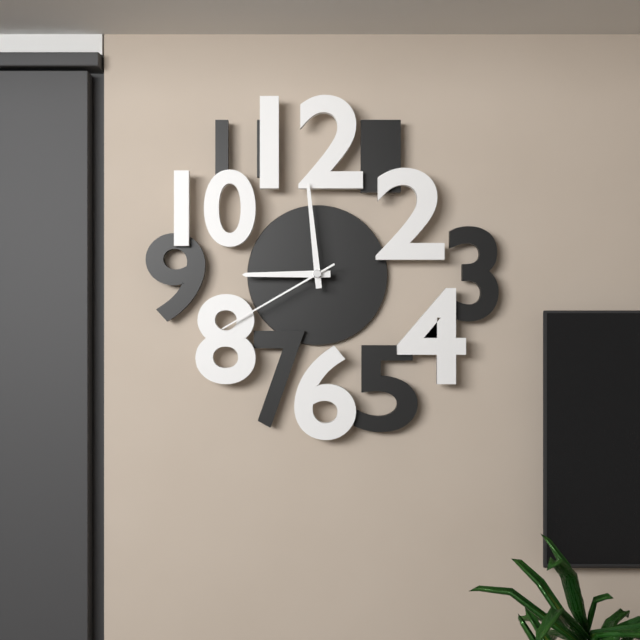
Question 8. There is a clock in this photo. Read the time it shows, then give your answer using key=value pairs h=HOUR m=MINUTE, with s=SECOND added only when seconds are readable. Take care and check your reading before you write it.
h=8 m=59 s=40
